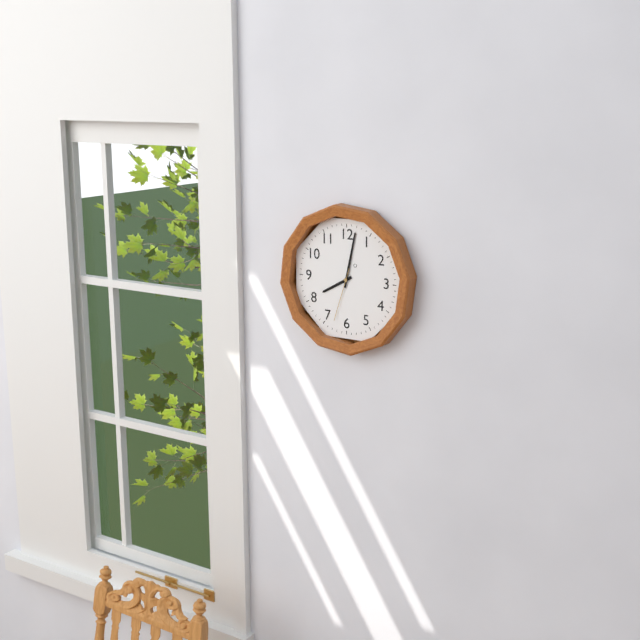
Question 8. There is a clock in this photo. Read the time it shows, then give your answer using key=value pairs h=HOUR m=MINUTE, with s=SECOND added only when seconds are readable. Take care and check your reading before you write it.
h=8 m=2 s=33
